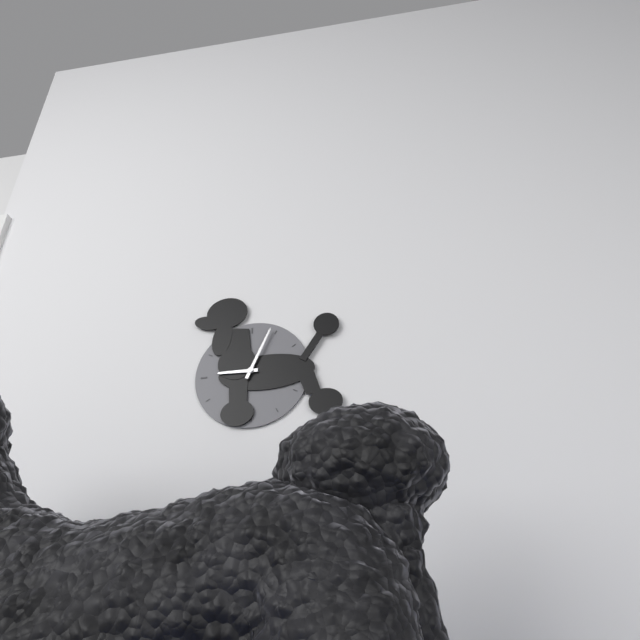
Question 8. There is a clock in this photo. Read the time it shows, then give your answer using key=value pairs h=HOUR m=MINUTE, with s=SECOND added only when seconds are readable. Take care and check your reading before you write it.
h=9 m=4
